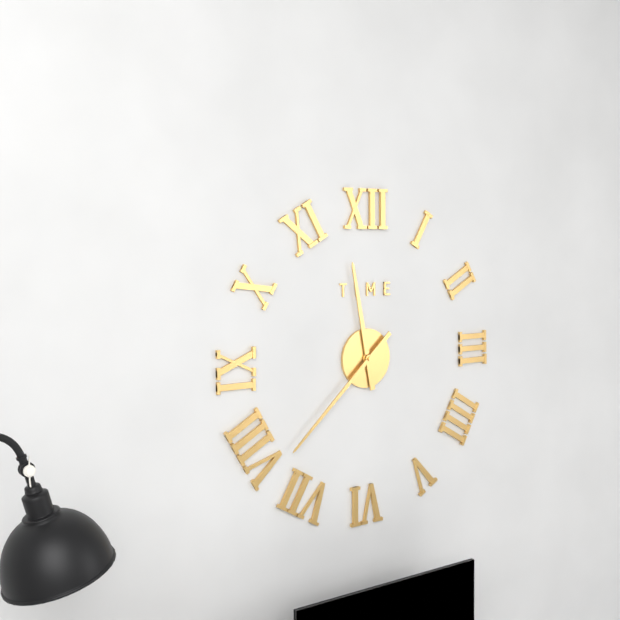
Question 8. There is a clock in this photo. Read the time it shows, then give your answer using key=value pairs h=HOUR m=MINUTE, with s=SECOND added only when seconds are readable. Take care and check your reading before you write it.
h=11 m=38
